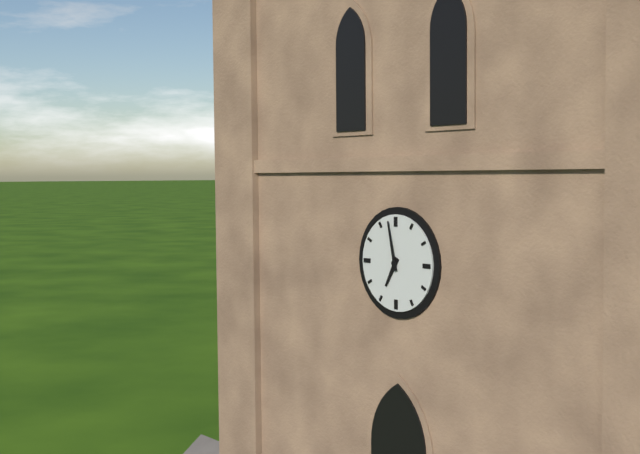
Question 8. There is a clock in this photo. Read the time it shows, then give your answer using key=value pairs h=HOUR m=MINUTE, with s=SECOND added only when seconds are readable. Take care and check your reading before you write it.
h=6 m=58
